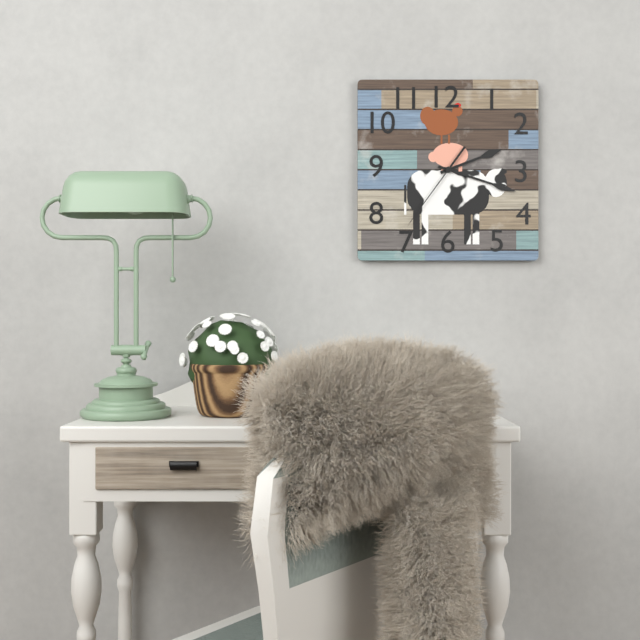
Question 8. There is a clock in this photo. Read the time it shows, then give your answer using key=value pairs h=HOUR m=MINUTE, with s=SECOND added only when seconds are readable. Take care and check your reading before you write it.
h=2 m=18 s=36
